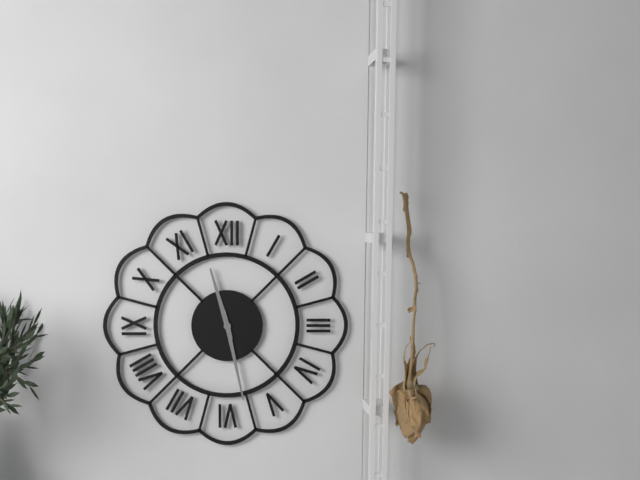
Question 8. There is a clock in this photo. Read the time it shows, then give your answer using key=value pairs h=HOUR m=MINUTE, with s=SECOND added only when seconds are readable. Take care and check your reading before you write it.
h=11 m=28
